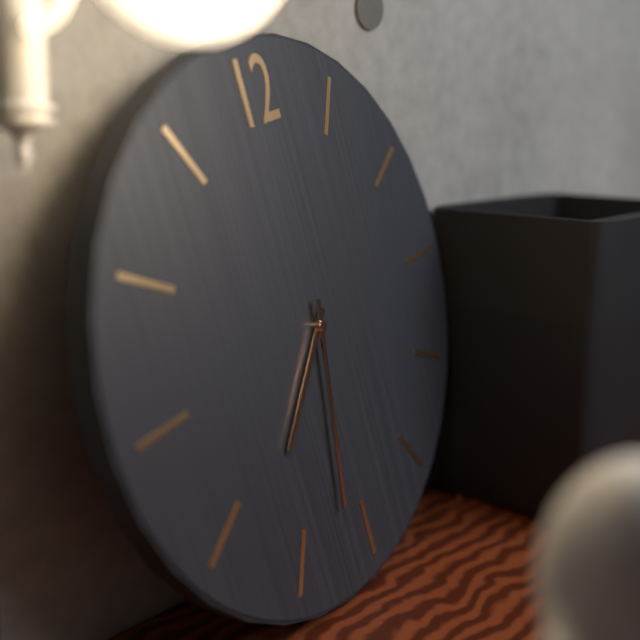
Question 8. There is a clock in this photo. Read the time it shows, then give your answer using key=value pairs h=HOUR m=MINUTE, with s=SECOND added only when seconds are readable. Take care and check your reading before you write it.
h=7 m=32
